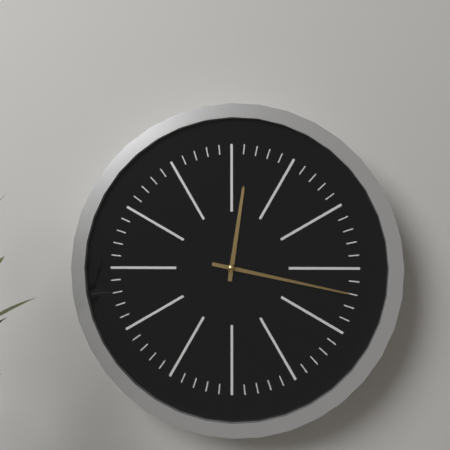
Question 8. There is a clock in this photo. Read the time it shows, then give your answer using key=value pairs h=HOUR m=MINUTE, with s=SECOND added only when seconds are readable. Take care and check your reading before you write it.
h=12 m=17
